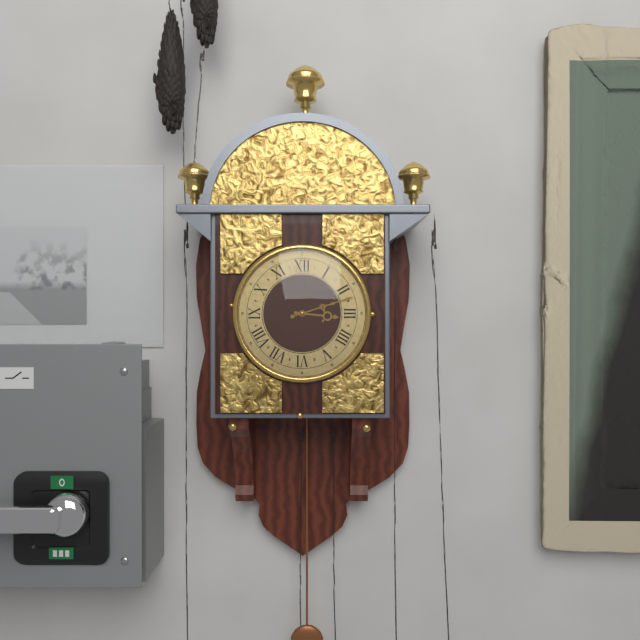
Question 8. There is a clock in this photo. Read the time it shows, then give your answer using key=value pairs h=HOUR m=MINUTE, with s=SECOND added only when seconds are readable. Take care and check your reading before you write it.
h=3 m=12
